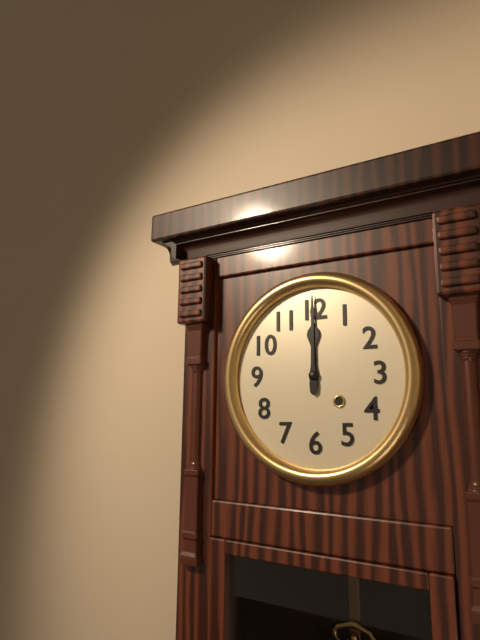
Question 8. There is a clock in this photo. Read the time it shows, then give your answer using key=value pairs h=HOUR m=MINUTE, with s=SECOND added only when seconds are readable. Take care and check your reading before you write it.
h=12 m=0
